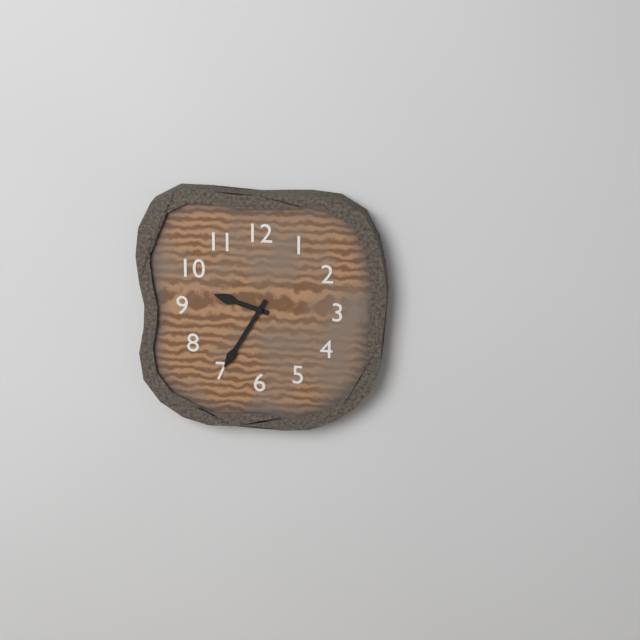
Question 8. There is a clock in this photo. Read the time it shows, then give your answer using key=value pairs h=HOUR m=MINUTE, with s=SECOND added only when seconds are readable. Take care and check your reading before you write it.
h=9 m=35
